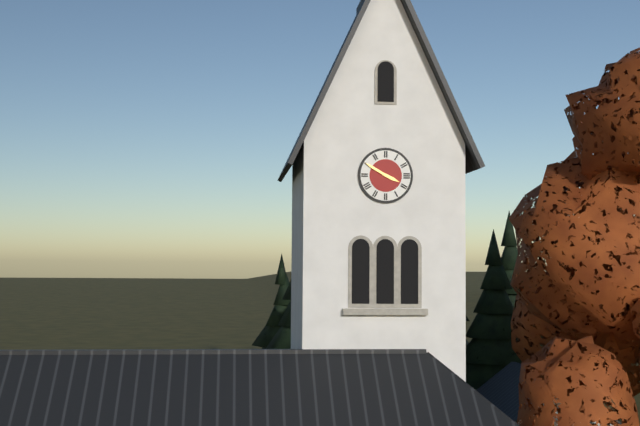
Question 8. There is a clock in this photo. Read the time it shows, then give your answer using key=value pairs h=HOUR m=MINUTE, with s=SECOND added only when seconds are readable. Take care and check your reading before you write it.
h=3 m=50
